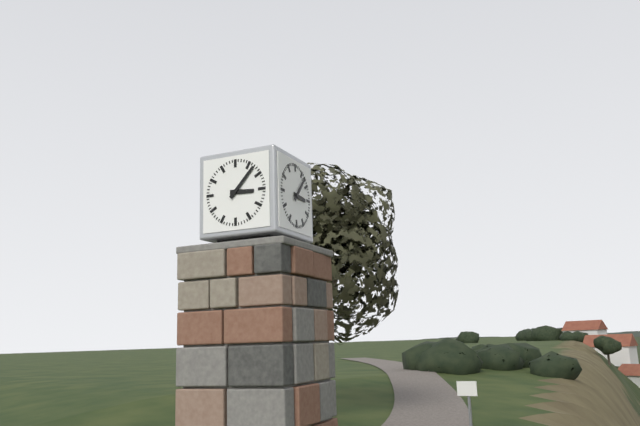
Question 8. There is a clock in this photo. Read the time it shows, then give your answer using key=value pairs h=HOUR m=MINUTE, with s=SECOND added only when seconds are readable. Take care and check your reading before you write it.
h=3 m=7
